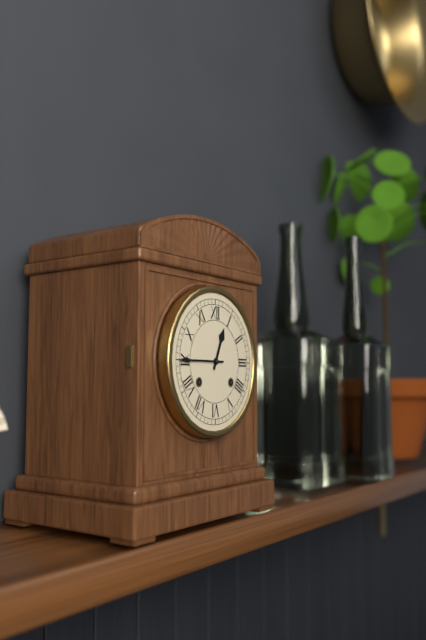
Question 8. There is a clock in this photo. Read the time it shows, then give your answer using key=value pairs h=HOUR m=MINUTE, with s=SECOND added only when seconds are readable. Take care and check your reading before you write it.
h=12 m=45
